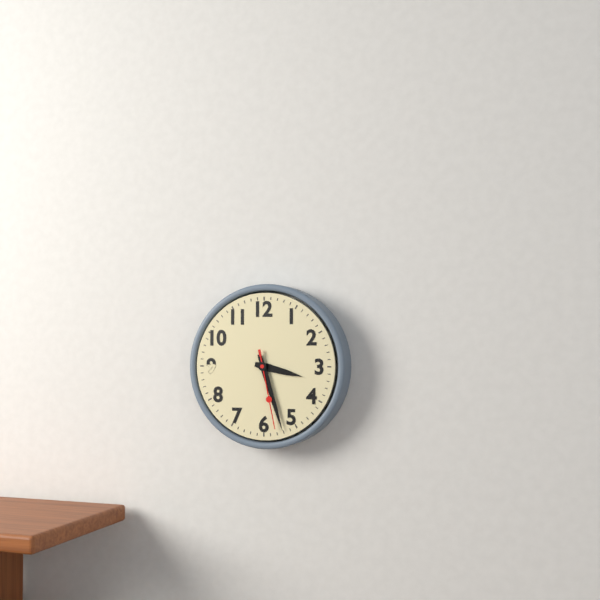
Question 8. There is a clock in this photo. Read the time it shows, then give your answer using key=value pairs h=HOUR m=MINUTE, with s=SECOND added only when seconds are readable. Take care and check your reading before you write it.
h=3 m=27 s=28
